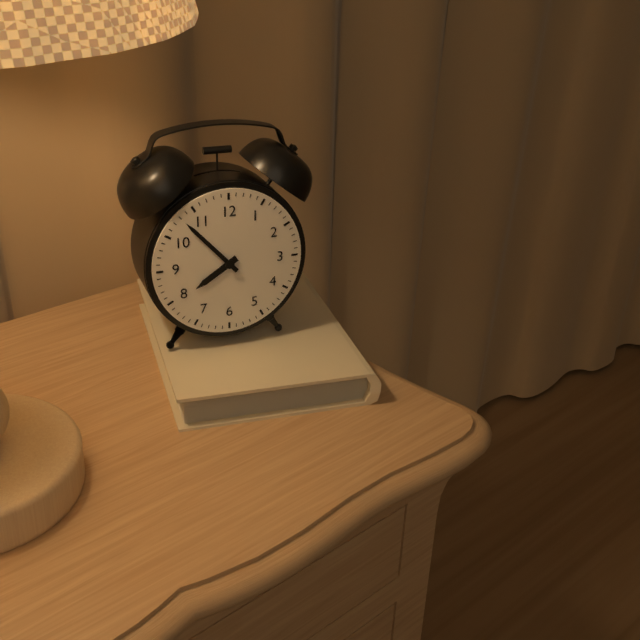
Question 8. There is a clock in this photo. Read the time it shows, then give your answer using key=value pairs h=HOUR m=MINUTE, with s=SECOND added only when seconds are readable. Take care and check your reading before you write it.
h=7 m=53
